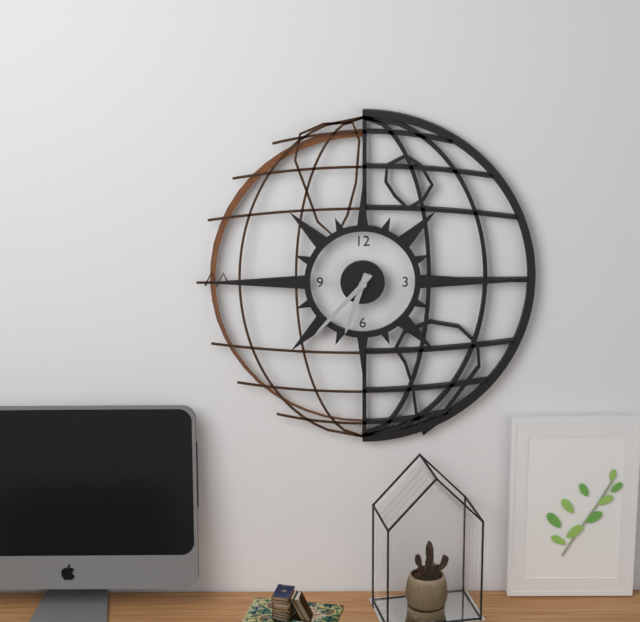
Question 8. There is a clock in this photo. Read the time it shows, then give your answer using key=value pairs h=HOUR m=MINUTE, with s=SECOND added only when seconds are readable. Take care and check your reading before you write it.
h=6 m=37
